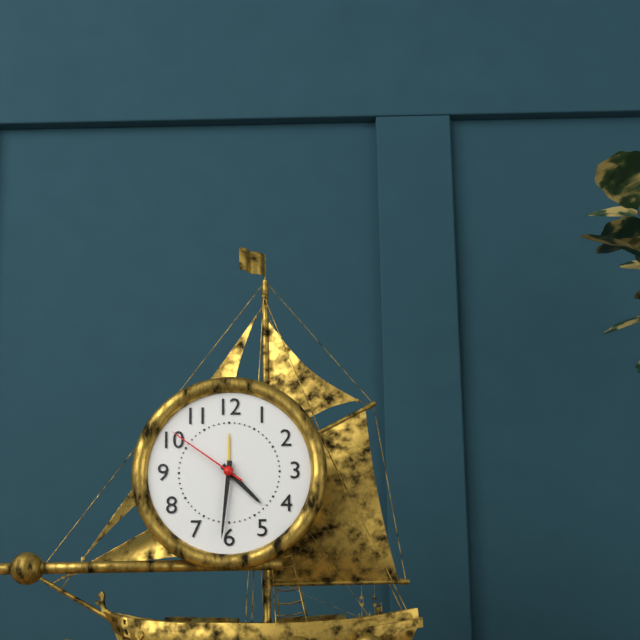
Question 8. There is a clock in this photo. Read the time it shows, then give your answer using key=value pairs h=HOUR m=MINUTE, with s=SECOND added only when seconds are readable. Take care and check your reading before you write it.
h=4 m=31 s=51
